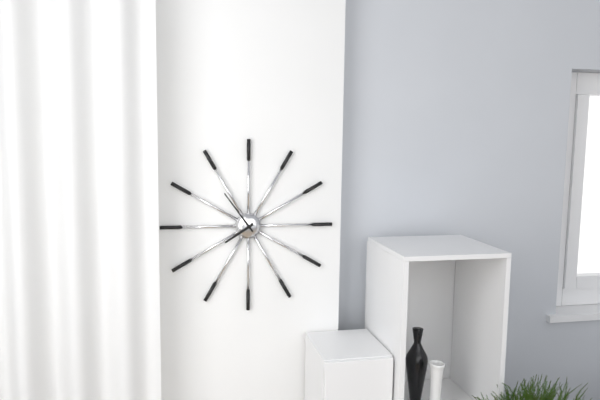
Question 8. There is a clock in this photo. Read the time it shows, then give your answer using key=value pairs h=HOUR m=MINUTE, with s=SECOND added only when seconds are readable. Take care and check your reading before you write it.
h=7 m=54
